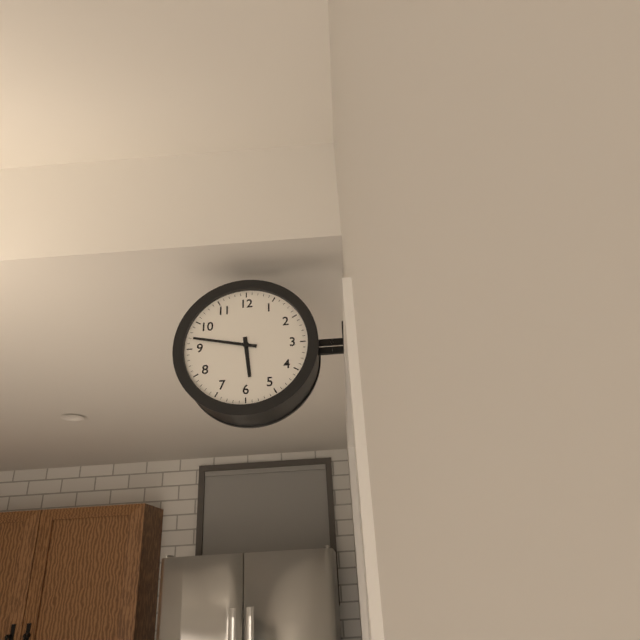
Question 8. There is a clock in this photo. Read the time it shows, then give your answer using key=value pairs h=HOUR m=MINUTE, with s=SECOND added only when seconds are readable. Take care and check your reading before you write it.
h=5 m=47
